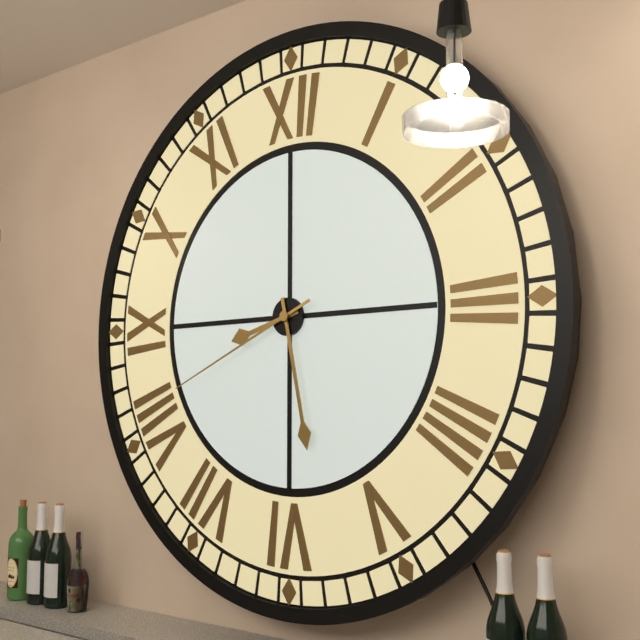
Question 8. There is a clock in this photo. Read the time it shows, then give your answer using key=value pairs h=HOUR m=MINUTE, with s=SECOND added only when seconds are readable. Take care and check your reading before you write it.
h=8 m=28 s=41
